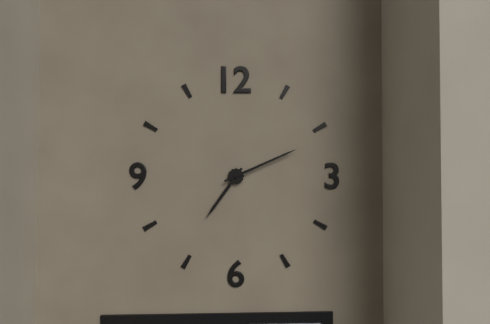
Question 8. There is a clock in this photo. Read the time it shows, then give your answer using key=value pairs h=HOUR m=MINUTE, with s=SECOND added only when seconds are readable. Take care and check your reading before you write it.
h=7 m=11
